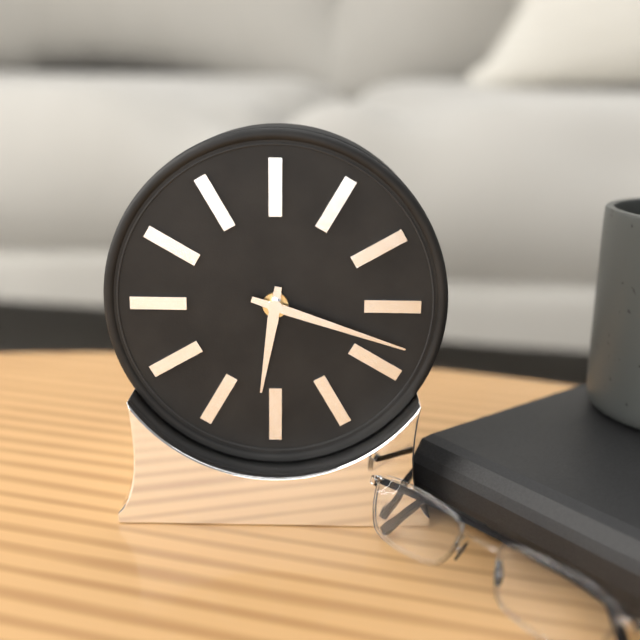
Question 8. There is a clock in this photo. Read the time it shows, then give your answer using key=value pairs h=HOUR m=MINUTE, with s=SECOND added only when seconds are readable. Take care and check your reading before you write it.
h=6 m=18
